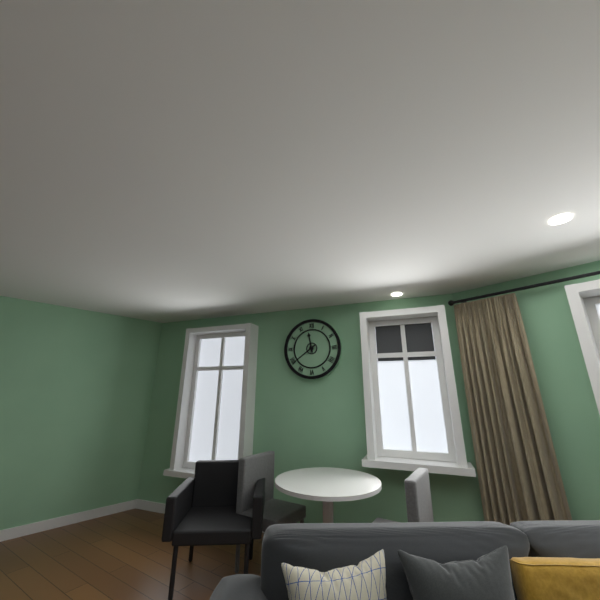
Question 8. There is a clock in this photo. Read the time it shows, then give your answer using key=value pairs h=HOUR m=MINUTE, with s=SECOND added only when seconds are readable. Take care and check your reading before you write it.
h=11 m=39
